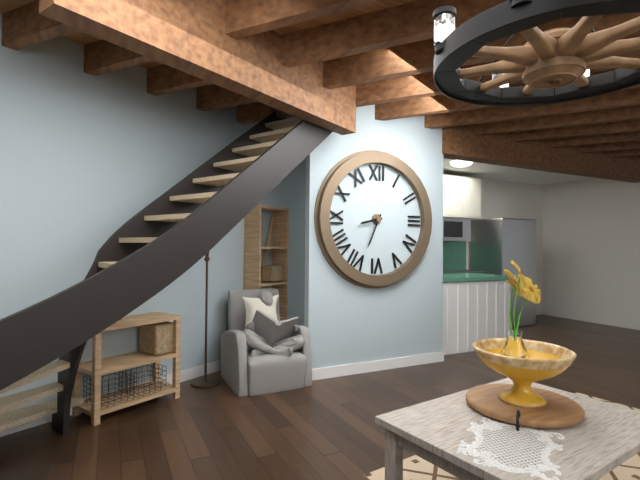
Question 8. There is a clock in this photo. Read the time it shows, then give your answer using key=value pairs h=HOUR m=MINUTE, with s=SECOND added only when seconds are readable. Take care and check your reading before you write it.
h=8 m=34
